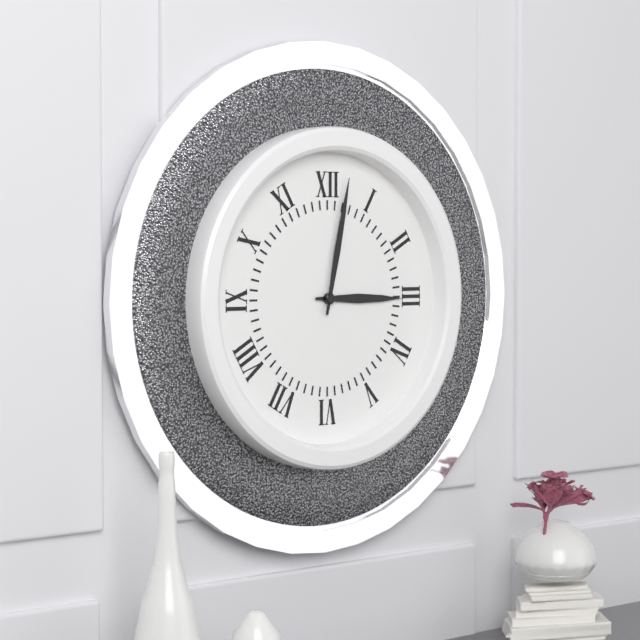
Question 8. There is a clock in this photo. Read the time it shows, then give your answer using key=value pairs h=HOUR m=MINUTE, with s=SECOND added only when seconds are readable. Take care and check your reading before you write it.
h=3 m=2
